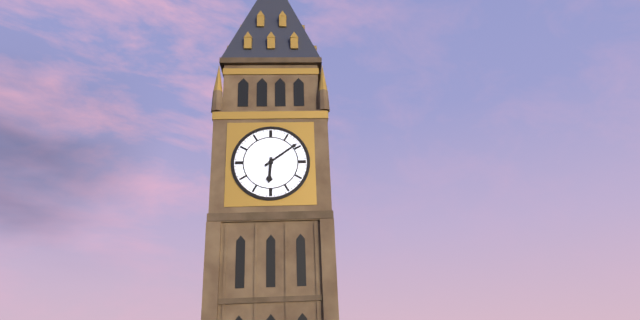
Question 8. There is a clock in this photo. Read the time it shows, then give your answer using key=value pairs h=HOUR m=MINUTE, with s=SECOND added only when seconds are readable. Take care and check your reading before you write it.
h=6 m=9
